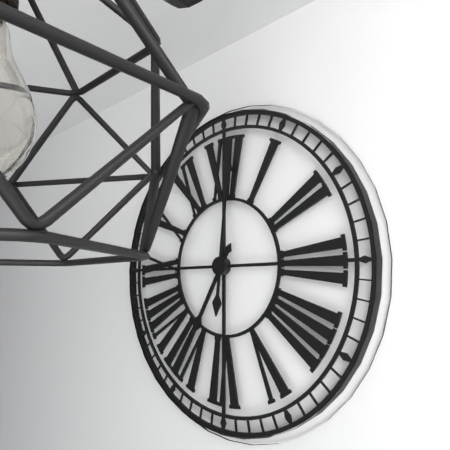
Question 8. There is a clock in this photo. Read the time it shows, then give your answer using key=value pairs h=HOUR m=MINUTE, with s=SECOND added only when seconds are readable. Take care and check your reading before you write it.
h=7 m=1
